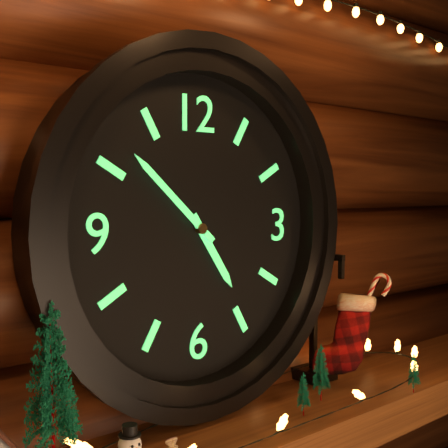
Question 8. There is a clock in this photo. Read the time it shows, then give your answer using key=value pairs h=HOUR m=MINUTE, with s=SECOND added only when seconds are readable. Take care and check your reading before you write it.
h=4 m=52
